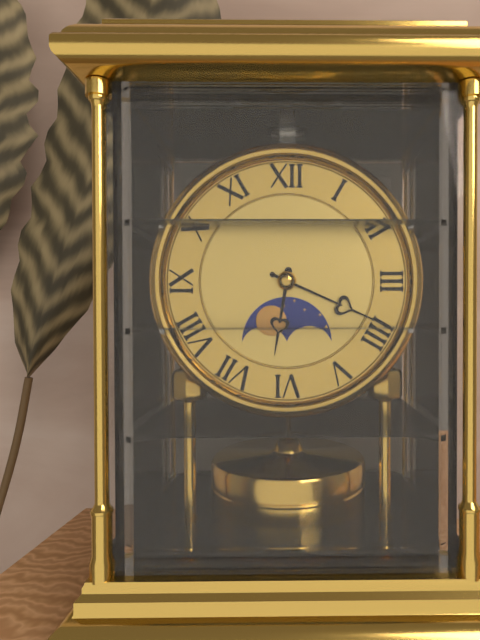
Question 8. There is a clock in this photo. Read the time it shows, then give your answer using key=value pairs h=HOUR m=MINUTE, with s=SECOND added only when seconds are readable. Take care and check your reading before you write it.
h=6 m=19
